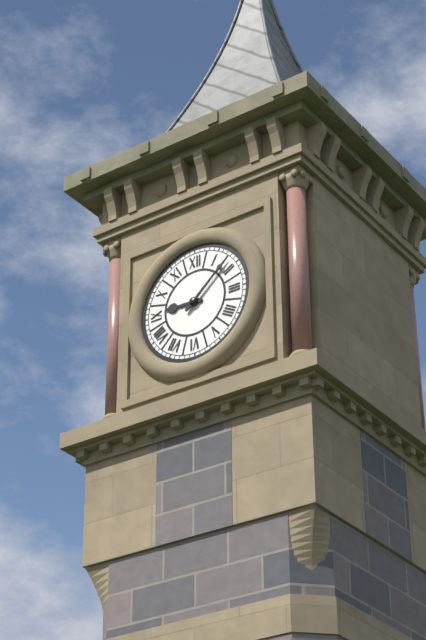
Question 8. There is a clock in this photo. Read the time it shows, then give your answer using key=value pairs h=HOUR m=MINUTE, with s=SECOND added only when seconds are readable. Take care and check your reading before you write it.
h=9 m=8
